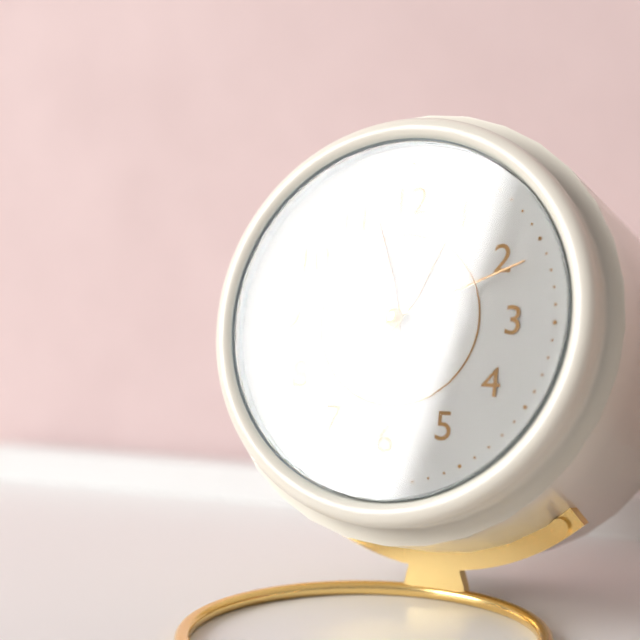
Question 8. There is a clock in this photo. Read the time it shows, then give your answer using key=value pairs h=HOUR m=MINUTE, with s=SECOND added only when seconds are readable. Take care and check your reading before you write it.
h=12 m=57 s=11
